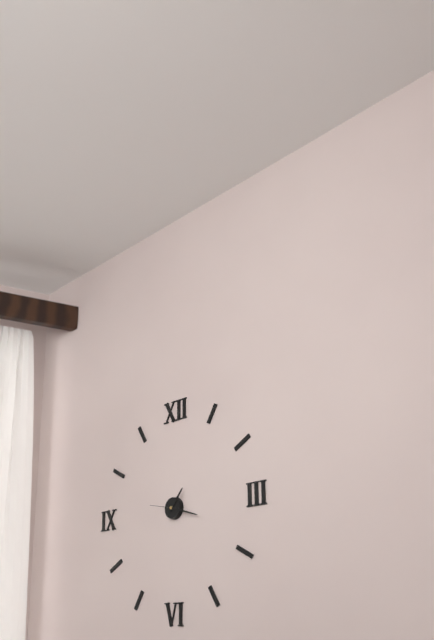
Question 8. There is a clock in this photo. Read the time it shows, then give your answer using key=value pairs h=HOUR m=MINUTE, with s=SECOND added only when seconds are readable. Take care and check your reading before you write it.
h=1 m=18
